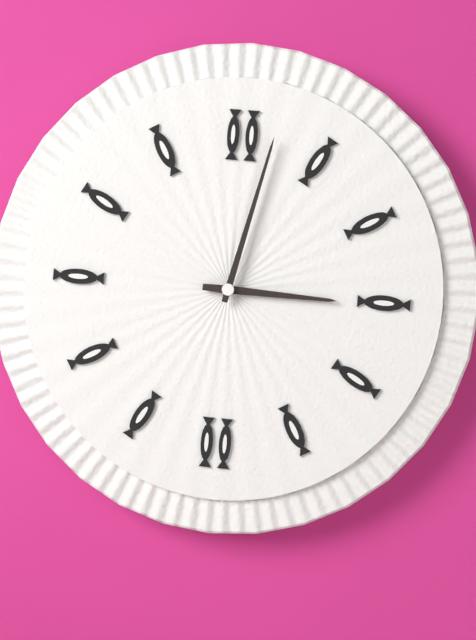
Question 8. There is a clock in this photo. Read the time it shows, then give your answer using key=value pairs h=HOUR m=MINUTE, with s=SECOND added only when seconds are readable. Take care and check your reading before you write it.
h=3 m=2
